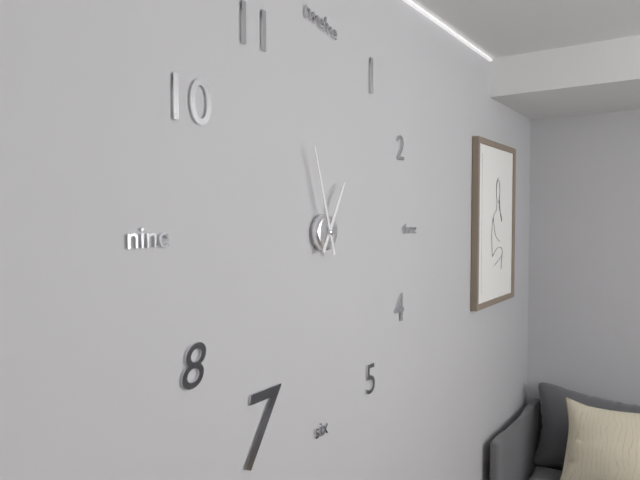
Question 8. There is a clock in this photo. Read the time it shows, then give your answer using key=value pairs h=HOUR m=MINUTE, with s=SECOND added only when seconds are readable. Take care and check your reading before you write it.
h=12 m=57
